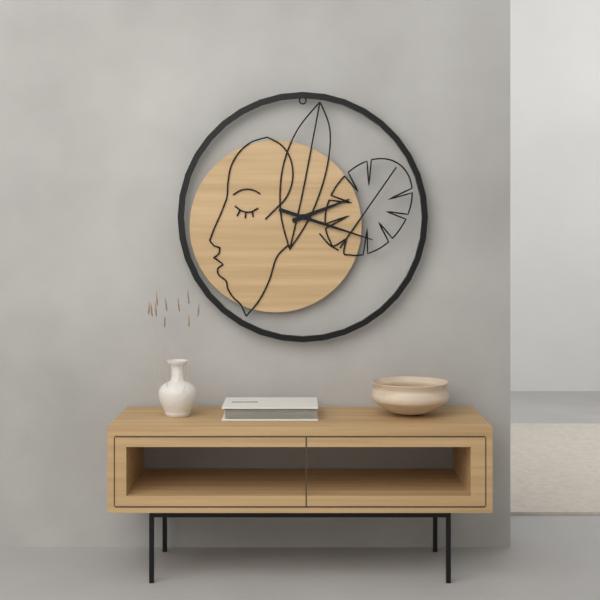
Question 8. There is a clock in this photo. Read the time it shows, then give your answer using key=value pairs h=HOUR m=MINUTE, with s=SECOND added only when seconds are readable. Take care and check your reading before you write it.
h=2 m=18
